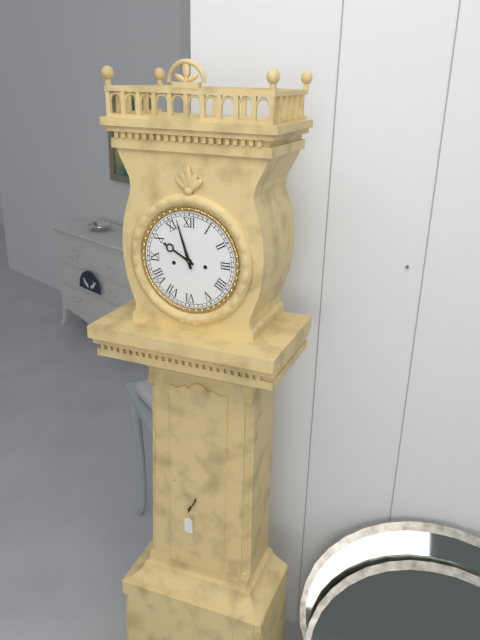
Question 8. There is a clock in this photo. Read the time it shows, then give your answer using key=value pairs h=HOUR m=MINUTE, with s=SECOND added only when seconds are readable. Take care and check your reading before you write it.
h=9 m=57
